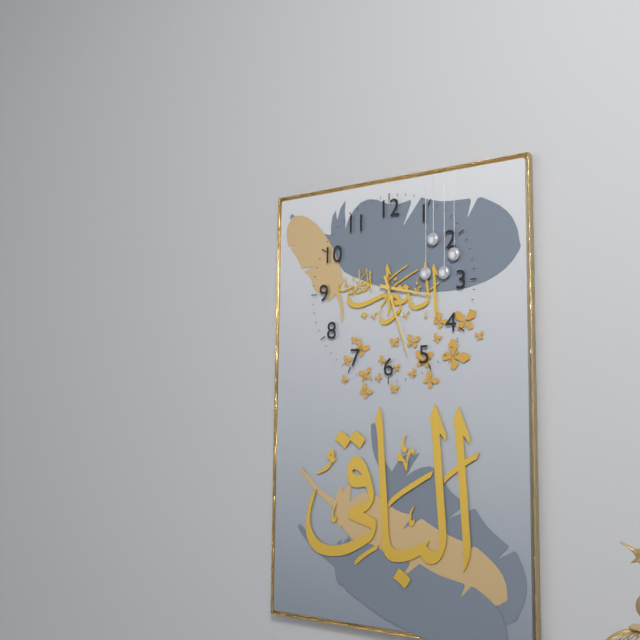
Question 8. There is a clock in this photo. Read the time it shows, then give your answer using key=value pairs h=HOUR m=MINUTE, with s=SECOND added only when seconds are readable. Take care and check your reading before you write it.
h=3 m=27
